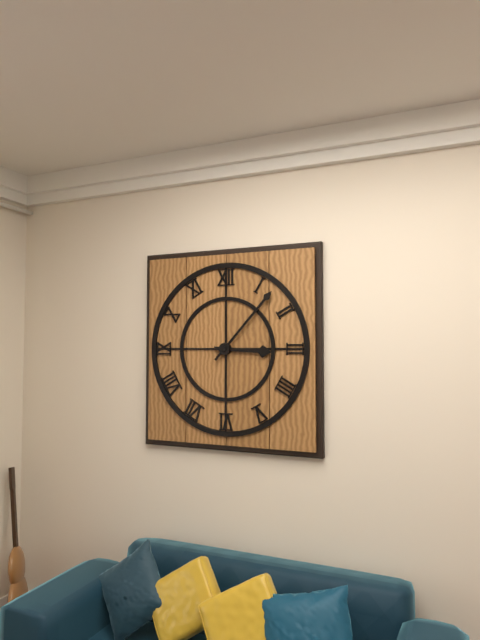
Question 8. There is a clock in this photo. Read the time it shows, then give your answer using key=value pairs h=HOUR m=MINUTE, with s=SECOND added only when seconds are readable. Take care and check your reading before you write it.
h=3 m=7
